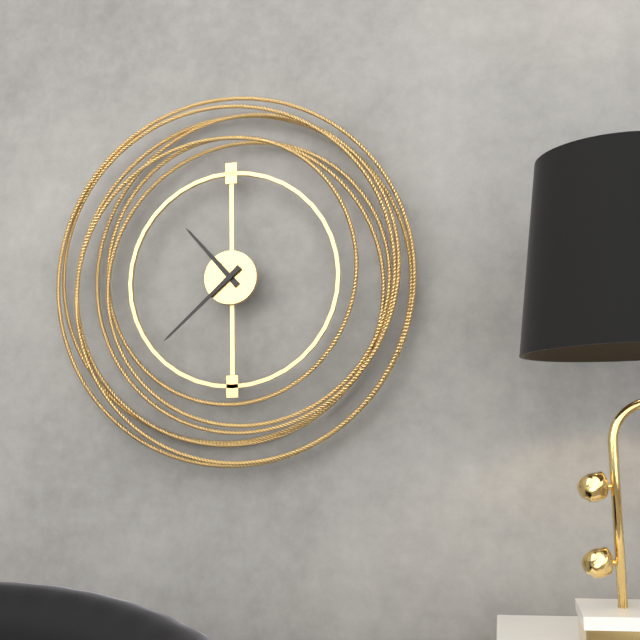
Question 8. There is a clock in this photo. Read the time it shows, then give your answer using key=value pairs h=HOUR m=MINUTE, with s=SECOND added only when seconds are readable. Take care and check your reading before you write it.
h=10 m=38
